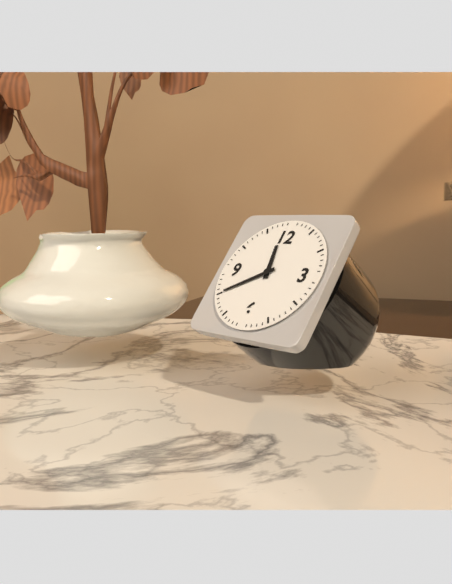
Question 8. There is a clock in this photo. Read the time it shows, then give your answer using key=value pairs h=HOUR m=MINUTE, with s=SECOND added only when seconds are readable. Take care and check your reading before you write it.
h=11 m=40
